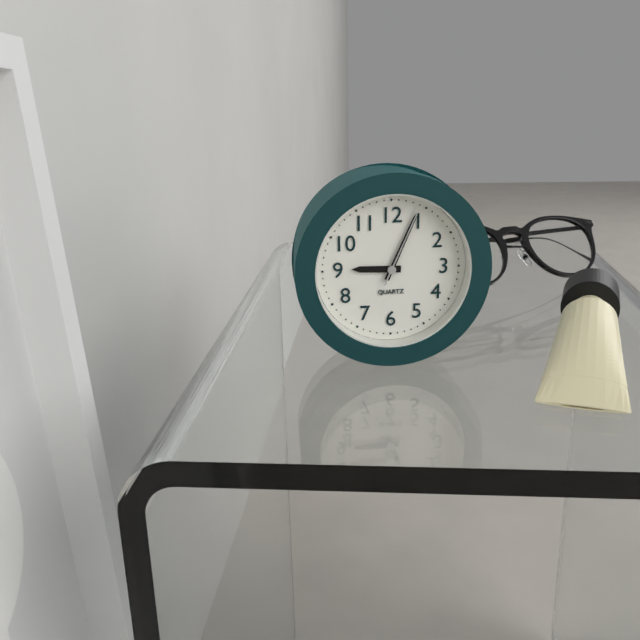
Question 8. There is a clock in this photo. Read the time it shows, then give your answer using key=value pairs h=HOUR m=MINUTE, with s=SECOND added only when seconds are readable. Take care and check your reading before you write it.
h=9 m=4 s=4
